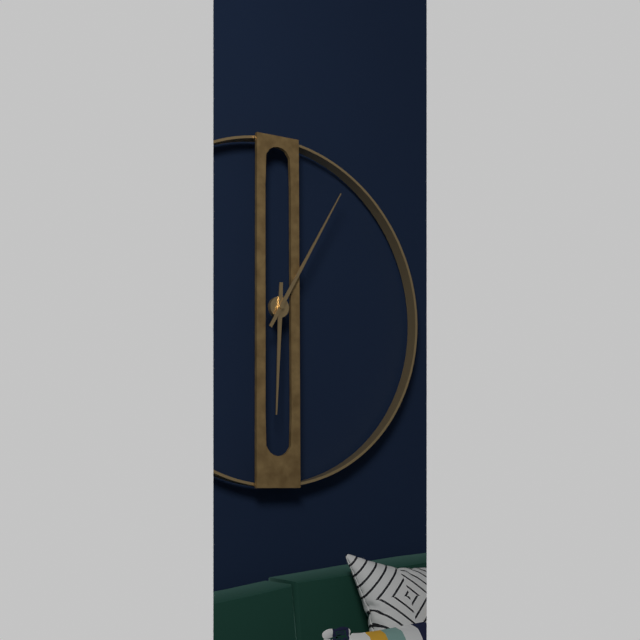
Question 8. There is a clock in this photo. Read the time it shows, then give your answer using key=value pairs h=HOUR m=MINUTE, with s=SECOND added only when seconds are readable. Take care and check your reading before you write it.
h=6 m=5
